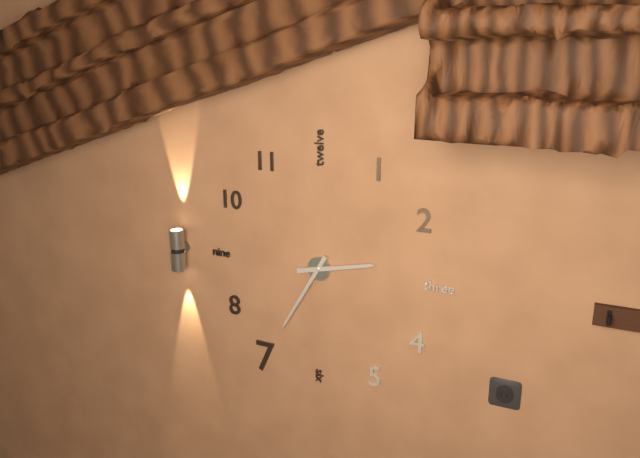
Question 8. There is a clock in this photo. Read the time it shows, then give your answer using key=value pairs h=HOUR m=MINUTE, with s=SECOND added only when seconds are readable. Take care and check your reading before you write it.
h=2 m=35
